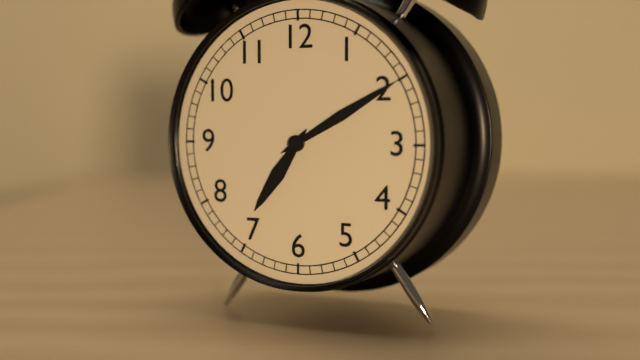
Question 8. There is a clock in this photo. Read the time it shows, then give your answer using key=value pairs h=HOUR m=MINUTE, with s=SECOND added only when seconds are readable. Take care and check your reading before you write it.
h=7 m=10
